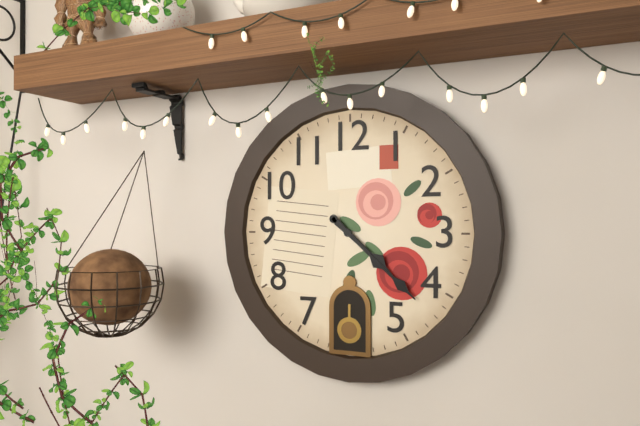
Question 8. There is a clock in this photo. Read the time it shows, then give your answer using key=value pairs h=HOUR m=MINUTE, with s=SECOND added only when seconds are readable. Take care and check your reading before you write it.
h=4 m=22
